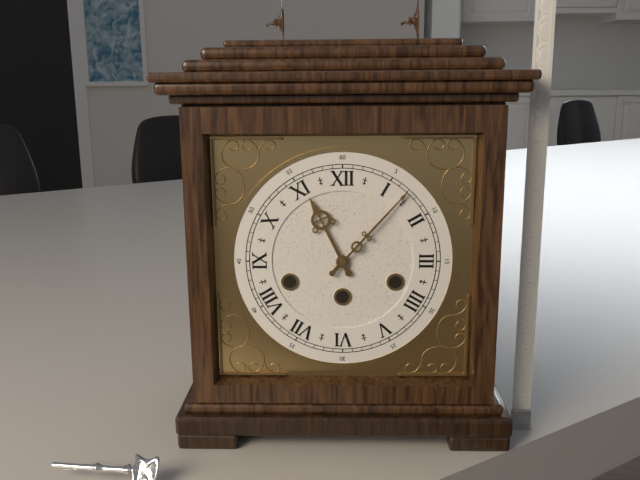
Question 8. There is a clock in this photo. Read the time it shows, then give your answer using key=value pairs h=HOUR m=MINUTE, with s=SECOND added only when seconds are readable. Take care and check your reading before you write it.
h=11 m=7
